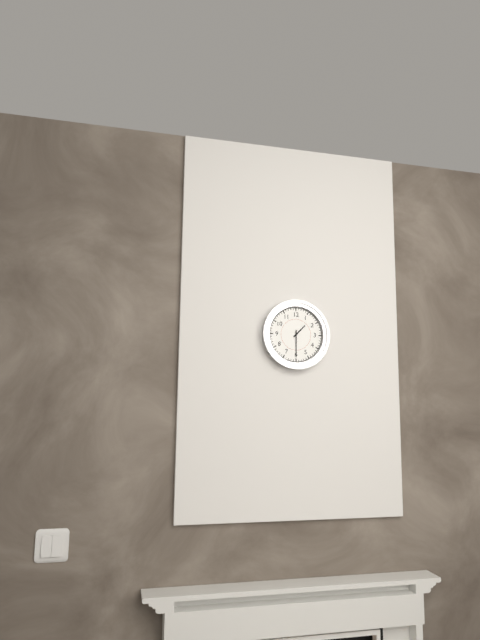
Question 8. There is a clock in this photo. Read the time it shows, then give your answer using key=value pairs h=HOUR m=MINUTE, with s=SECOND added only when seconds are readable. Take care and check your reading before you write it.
h=1 m=30
